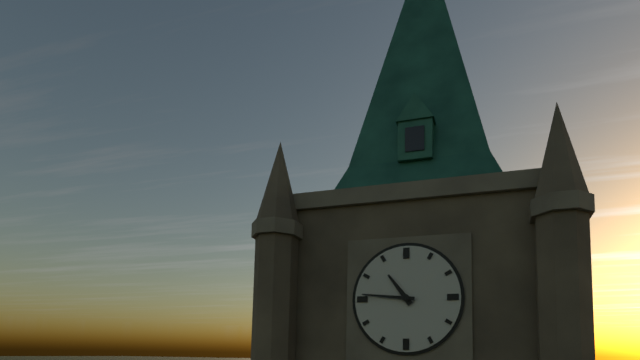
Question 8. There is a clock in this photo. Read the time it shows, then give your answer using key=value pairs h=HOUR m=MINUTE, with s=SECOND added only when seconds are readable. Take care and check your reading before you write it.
h=10 m=46
